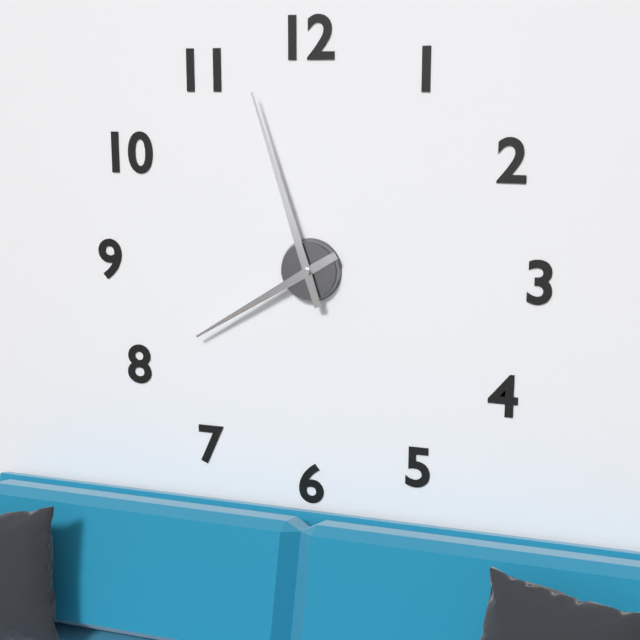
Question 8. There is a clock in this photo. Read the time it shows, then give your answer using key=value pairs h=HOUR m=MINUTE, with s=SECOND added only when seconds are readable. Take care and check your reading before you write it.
h=7 m=57
